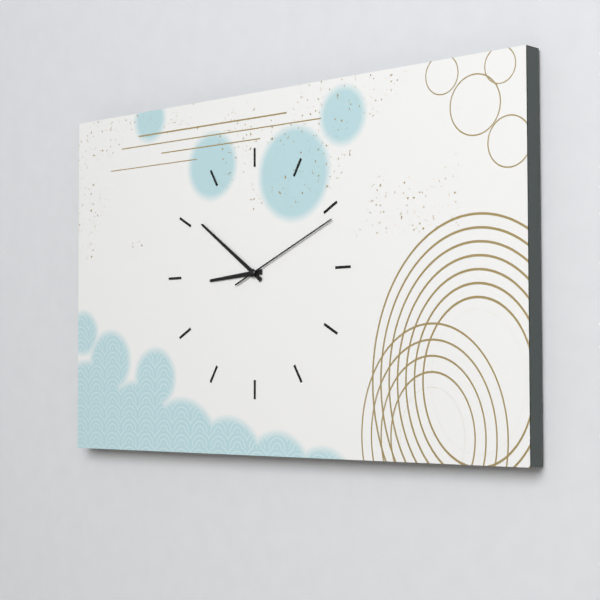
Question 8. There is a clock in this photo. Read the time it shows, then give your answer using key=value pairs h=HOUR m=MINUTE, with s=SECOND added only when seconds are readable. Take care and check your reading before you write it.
h=8 m=51 s=11
